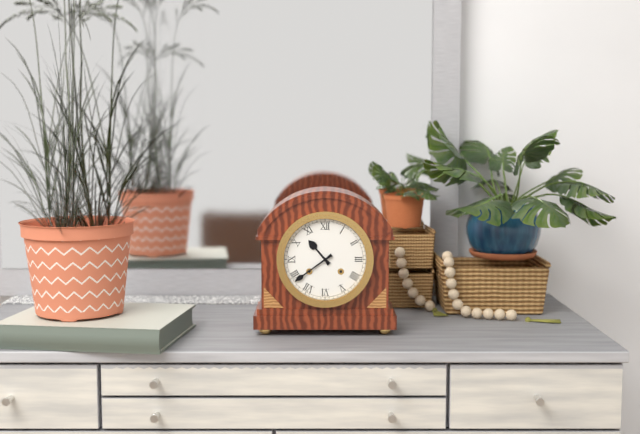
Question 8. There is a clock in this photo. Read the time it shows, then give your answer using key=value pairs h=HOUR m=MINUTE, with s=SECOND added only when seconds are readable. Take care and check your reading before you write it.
h=10 m=39
